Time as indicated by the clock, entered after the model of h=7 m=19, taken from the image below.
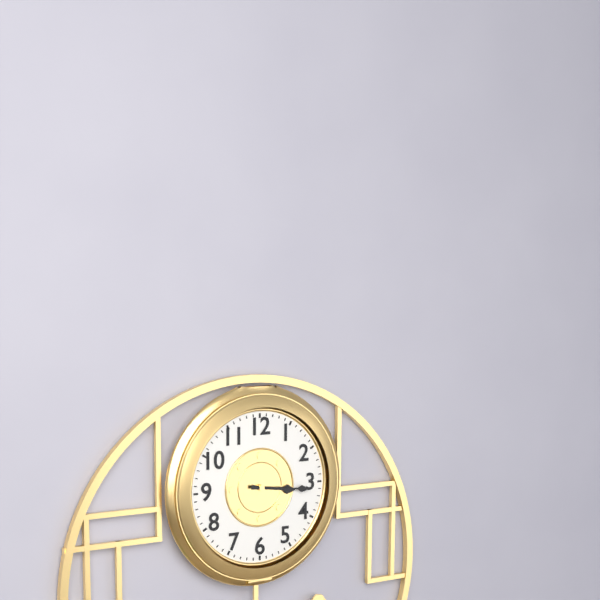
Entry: h=3 m=16
